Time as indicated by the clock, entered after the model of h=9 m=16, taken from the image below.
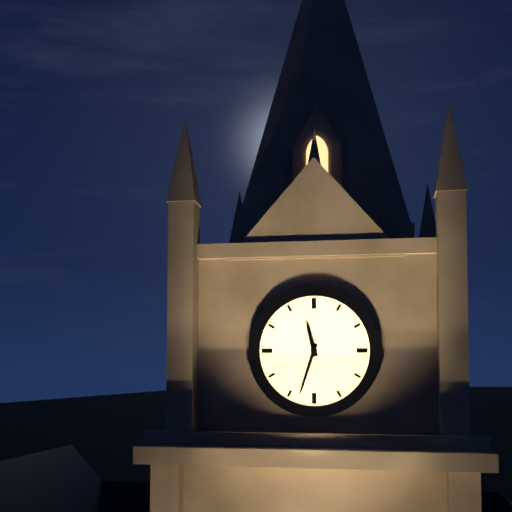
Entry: h=11 m=33
